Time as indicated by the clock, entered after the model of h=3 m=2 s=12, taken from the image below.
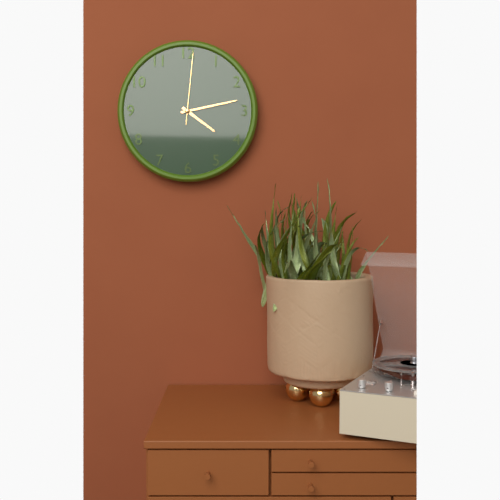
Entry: h=4 m=13 s=1
